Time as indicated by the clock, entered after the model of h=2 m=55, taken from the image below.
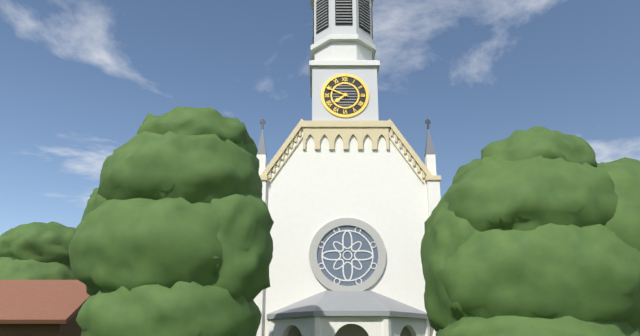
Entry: h=7 m=49
